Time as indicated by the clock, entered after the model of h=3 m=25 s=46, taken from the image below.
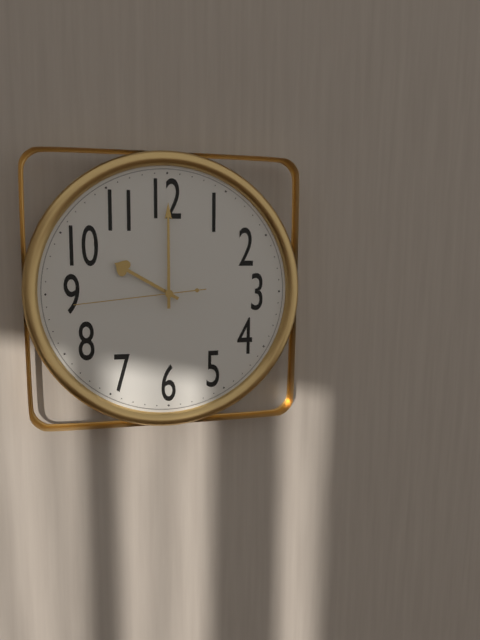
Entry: h=10 m=0 s=44
